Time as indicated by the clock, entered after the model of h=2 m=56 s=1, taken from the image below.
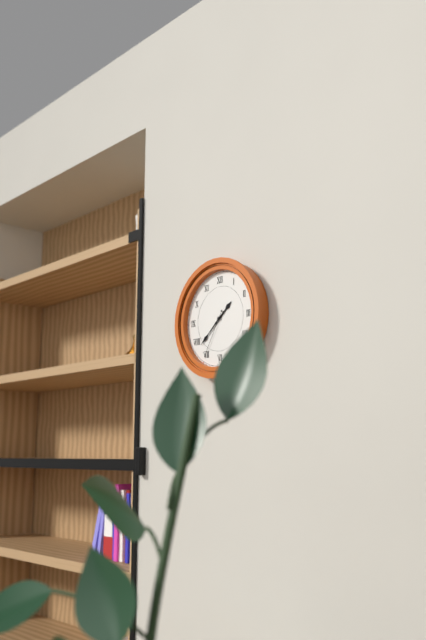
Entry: h=1 m=38 s=35
